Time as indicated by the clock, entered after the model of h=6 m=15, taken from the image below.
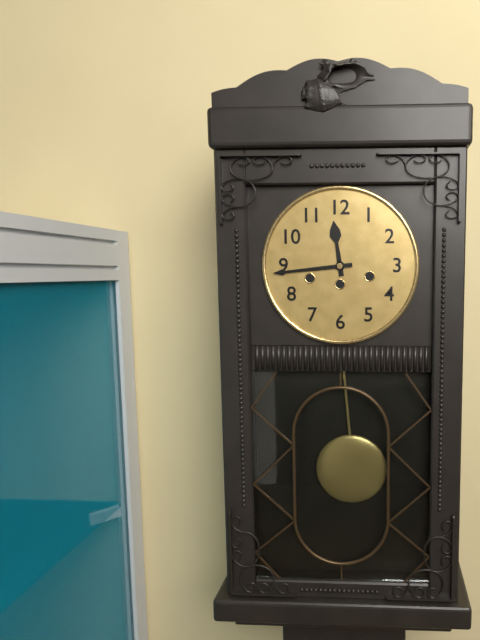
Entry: h=11 m=44
